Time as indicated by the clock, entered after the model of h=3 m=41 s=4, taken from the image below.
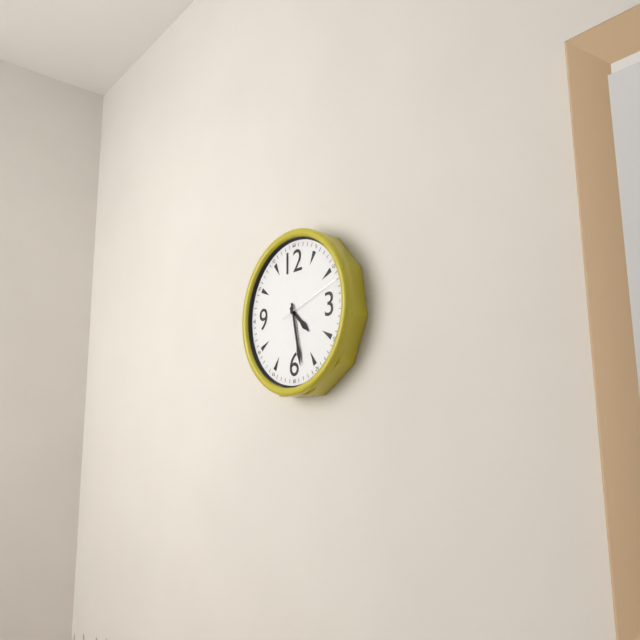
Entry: h=4 m=28 s=12
